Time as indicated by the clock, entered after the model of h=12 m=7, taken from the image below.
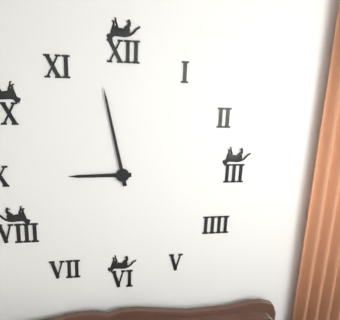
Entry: h=8 m=58
